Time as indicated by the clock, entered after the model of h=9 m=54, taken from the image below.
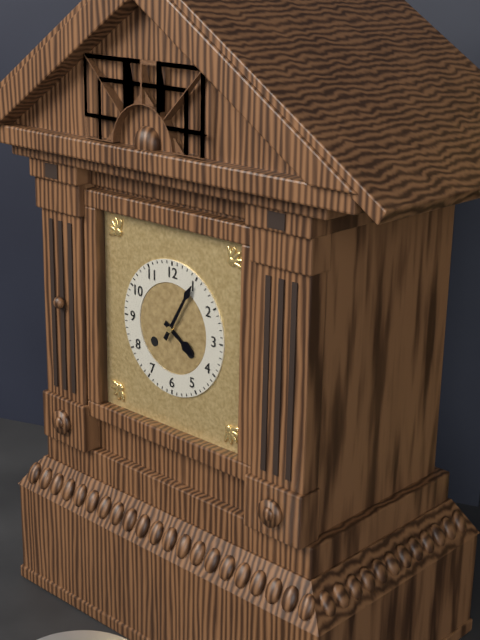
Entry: h=4 m=5
